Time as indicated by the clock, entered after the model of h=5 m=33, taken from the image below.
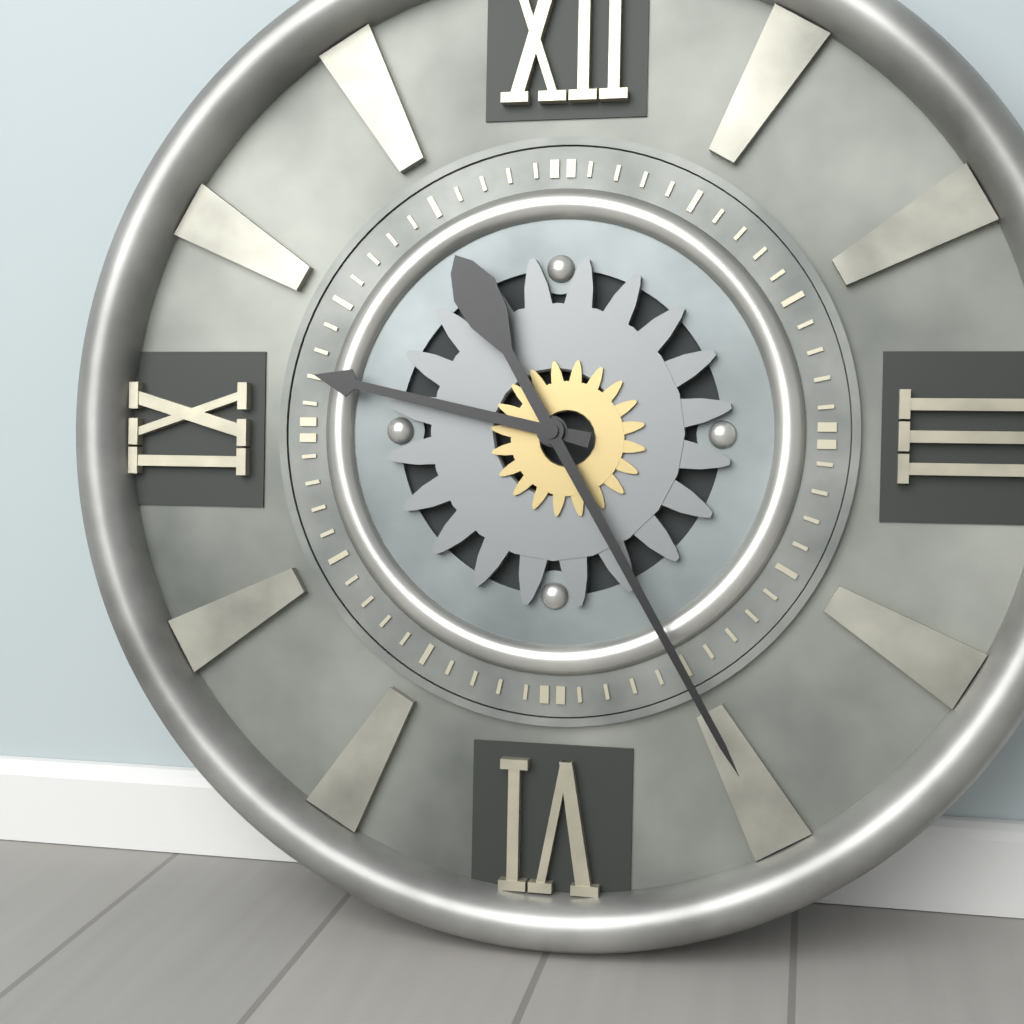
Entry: h=9 m=25
